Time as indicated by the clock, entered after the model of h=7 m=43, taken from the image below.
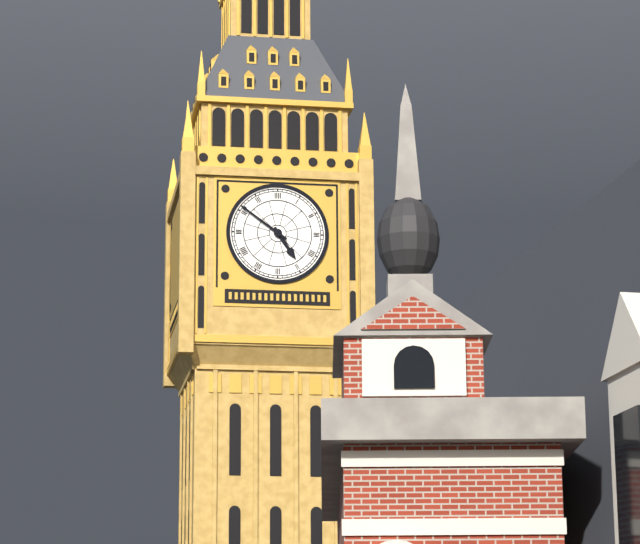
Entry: h=4 m=51
